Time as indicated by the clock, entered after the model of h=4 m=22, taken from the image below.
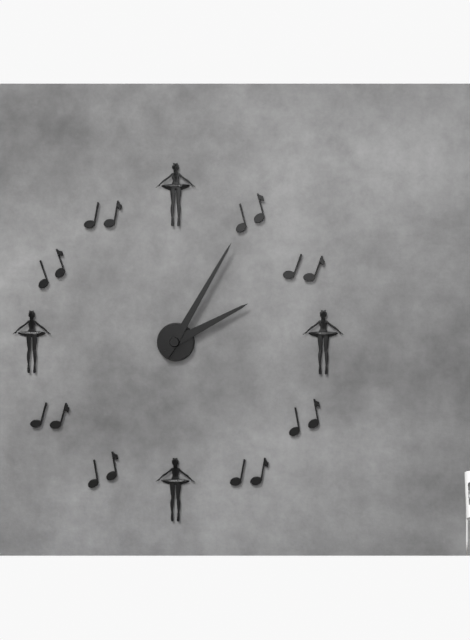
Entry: h=2 m=5
